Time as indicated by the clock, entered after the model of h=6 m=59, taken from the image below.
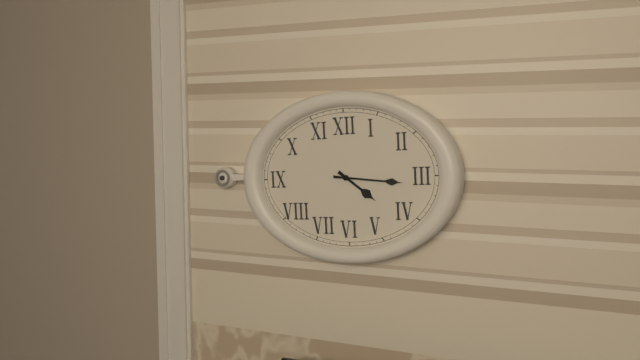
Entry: h=4 m=16
